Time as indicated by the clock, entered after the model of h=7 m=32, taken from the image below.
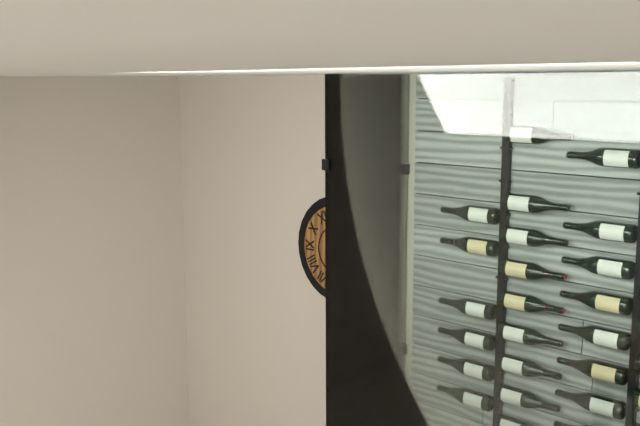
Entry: h=4 m=58
